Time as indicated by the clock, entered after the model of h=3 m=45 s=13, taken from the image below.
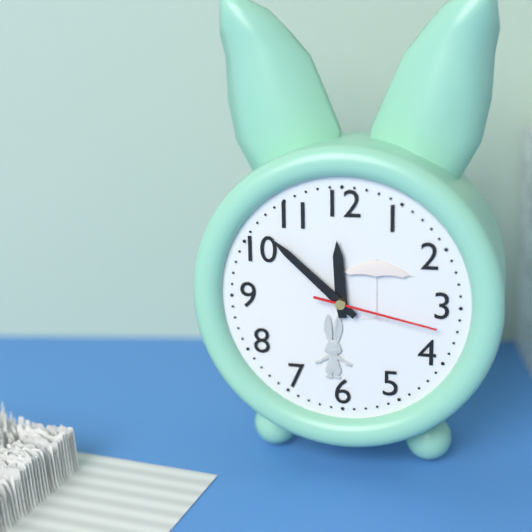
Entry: h=11 m=52 s=17
